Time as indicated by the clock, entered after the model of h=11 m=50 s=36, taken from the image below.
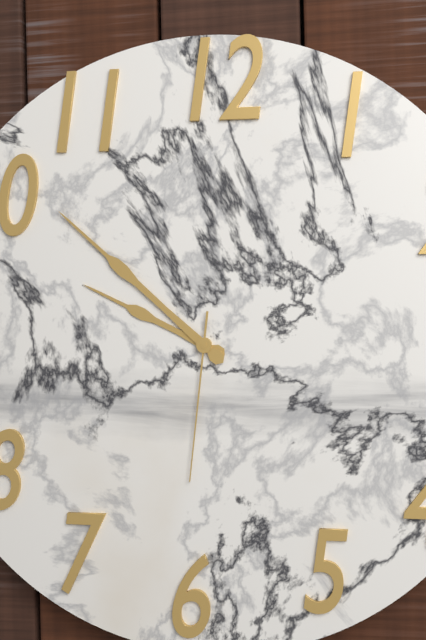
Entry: h=9 m=52 s=31
